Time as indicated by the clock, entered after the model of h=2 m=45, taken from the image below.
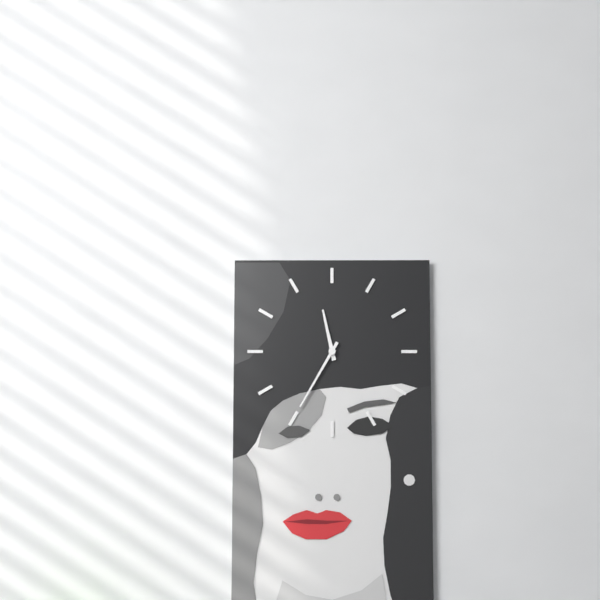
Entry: h=11 m=35
